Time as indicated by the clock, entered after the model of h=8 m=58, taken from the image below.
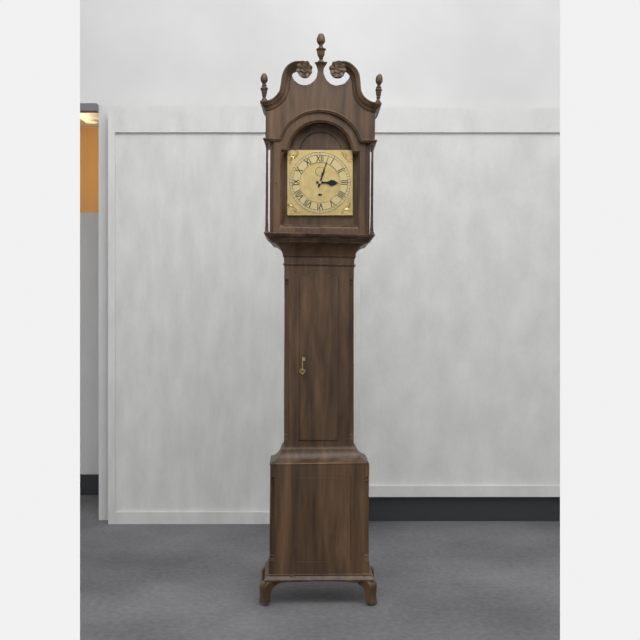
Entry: h=3 m=3
